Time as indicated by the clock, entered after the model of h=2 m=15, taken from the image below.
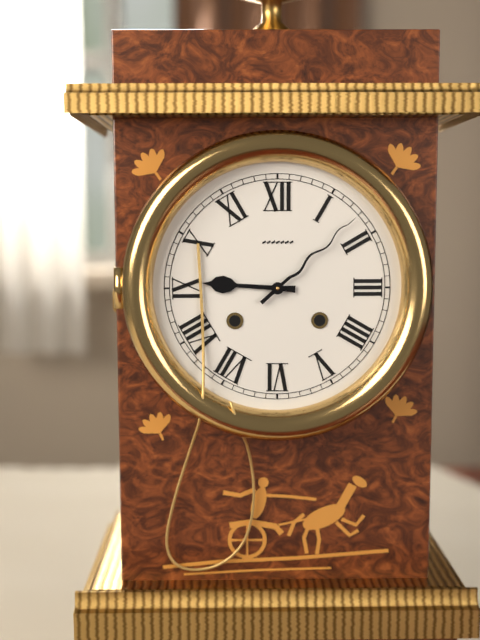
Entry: h=9 m=8
